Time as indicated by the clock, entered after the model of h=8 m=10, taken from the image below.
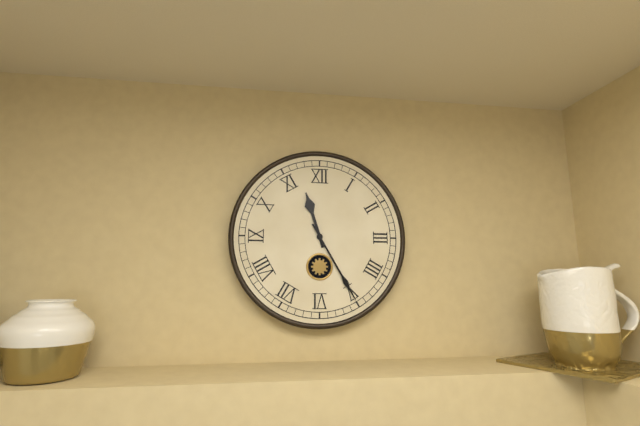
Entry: h=11 m=25
